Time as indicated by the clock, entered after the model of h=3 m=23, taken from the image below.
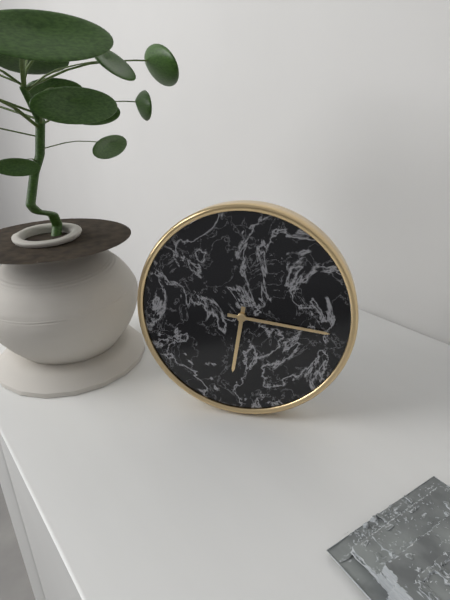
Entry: h=6 m=16
